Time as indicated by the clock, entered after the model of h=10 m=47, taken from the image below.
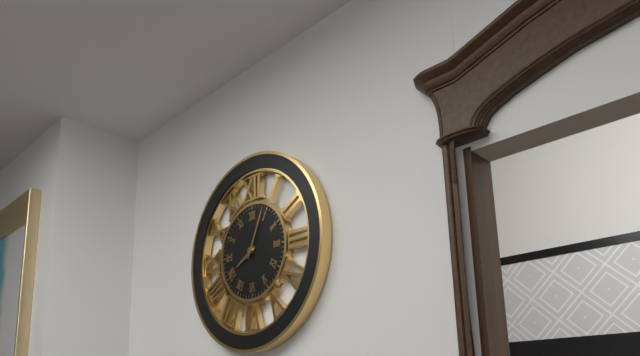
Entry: h=8 m=4
